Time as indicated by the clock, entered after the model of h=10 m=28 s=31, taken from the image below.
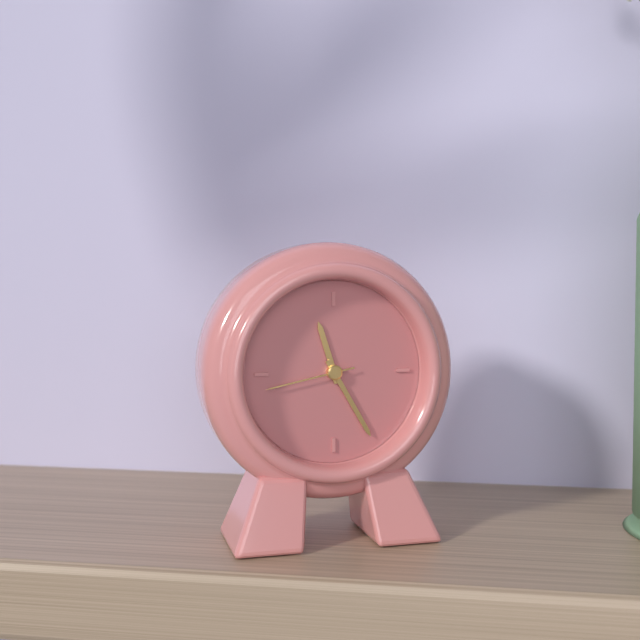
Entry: h=11 m=25 s=43
